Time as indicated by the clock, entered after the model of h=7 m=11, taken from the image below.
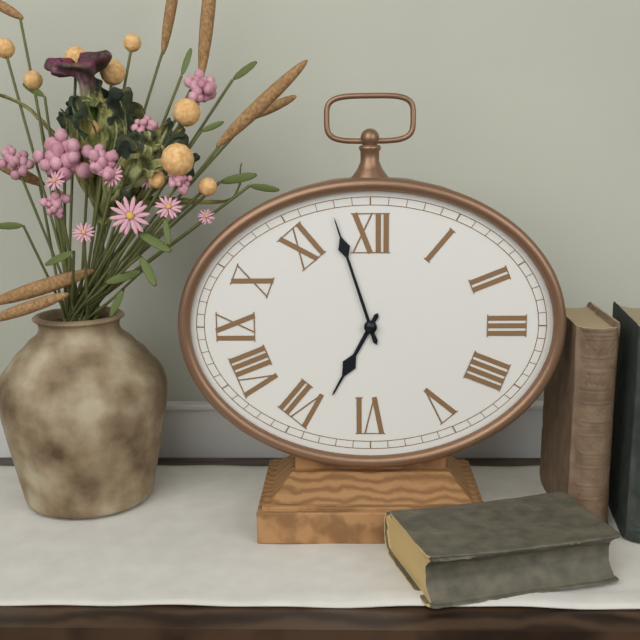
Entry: h=6 m=57
